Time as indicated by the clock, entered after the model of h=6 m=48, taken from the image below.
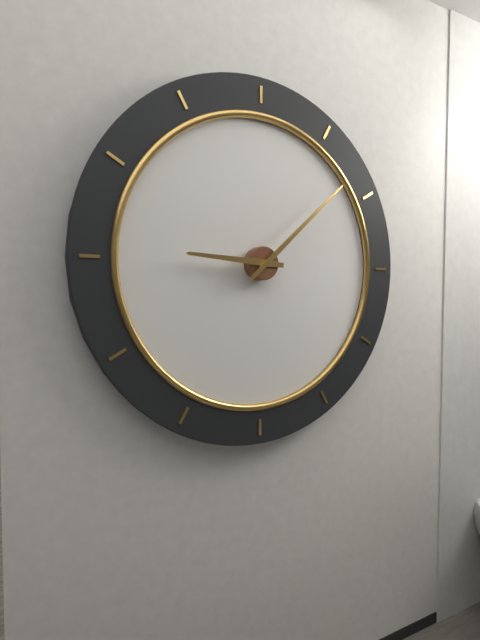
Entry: h=9 m=8
